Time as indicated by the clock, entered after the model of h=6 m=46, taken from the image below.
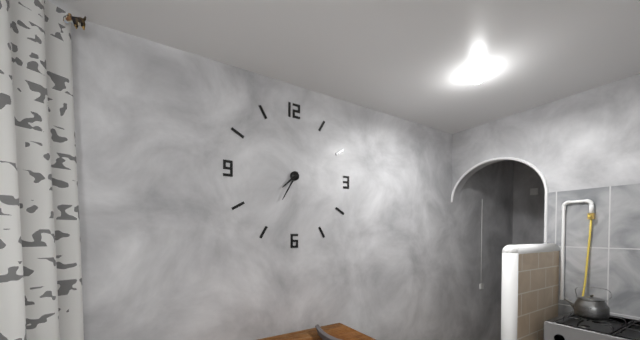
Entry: h=7 m=35
